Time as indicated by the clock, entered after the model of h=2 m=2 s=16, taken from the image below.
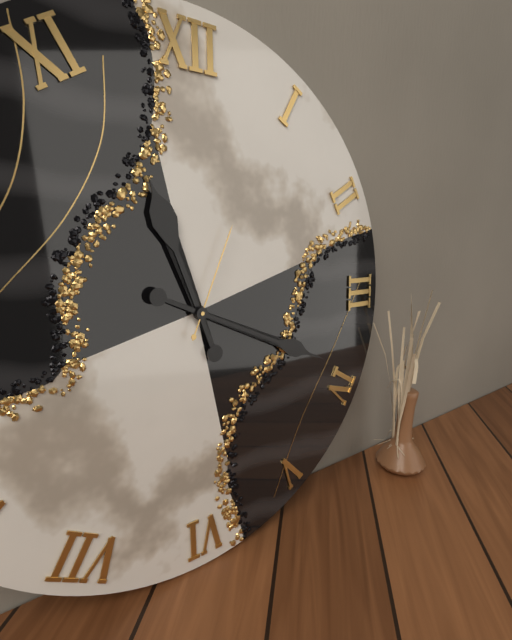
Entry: h=11 m=19 s=4
